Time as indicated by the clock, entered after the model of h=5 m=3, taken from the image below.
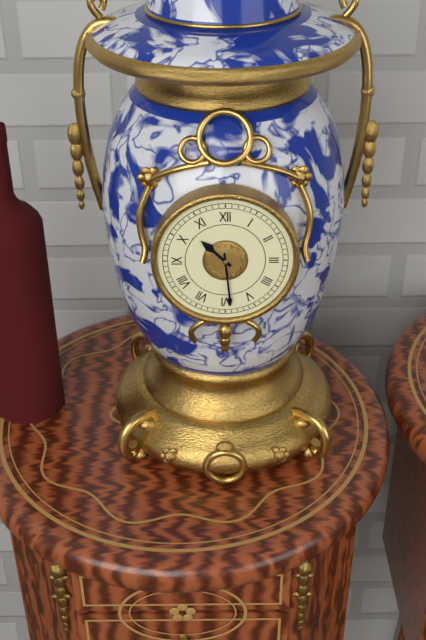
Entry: h=10 m=29
